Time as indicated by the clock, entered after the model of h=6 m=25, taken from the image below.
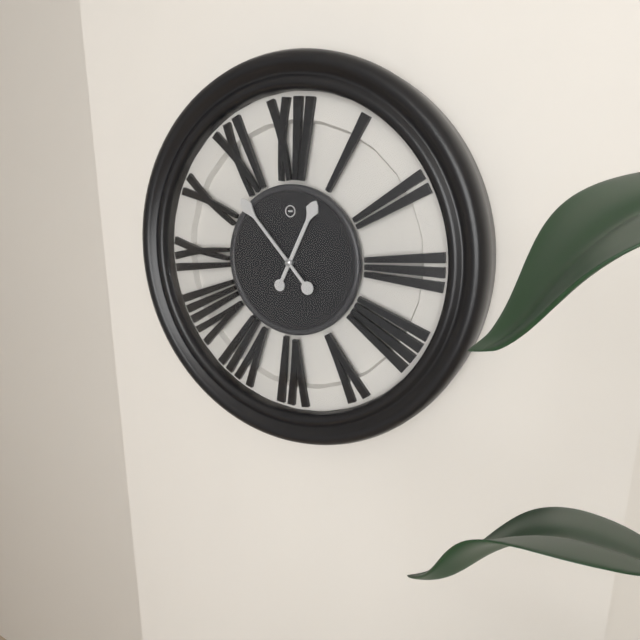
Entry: h=12 m=53
